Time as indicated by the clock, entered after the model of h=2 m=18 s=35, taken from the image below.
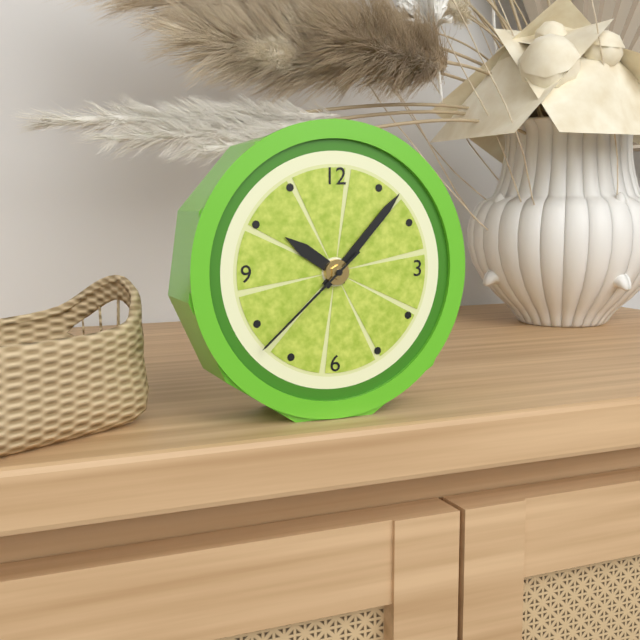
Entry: h=10 m=7 s=38
